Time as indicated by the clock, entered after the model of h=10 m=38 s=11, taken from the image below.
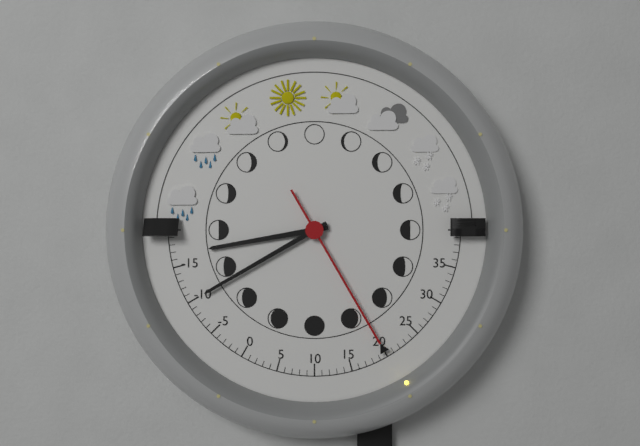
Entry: h=8 m=40 s=25
